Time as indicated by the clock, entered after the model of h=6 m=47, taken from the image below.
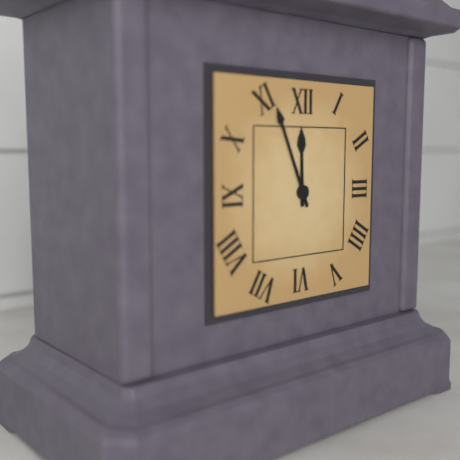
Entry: h=11 m=56
